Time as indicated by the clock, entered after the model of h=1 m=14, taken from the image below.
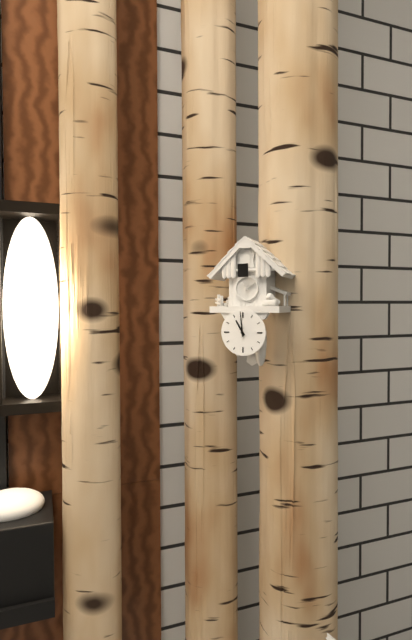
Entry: h=10 m=59
